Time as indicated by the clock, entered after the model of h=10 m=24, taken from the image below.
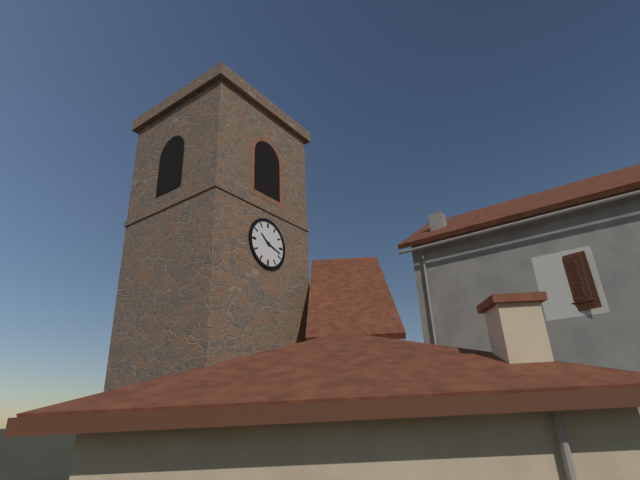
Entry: h=10 m=18
